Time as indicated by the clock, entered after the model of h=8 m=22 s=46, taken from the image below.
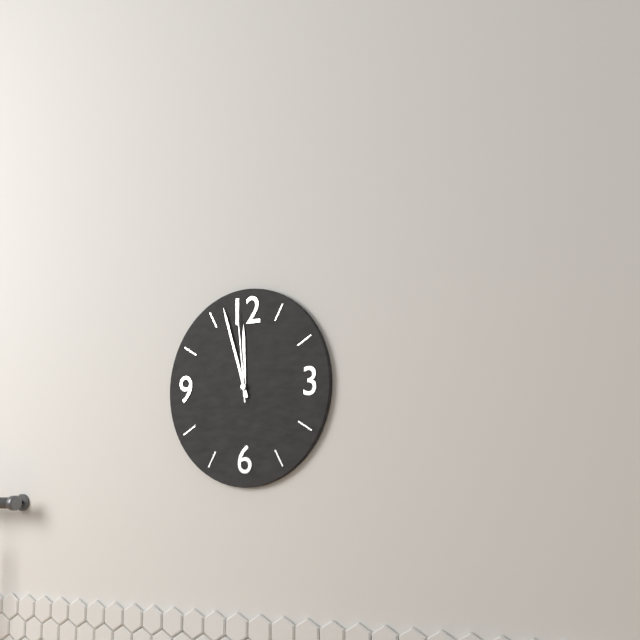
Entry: h=11 m=57 s=59
